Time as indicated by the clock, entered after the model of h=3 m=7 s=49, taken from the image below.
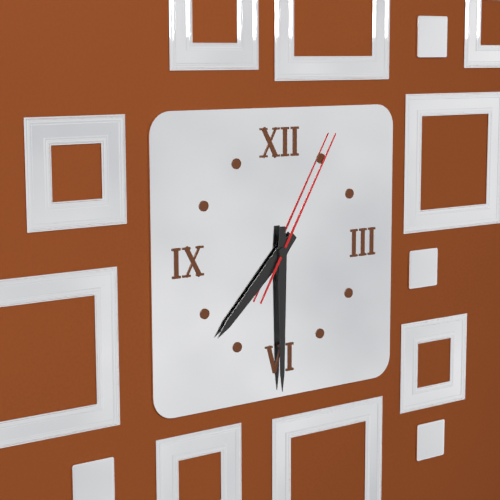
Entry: h=7 m=30 s=5
